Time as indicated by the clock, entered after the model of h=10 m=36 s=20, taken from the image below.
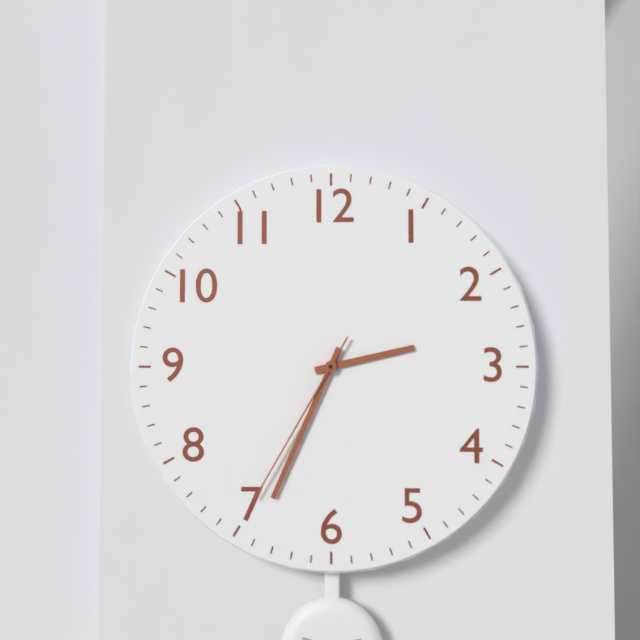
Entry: h=2 m=34 s=35
